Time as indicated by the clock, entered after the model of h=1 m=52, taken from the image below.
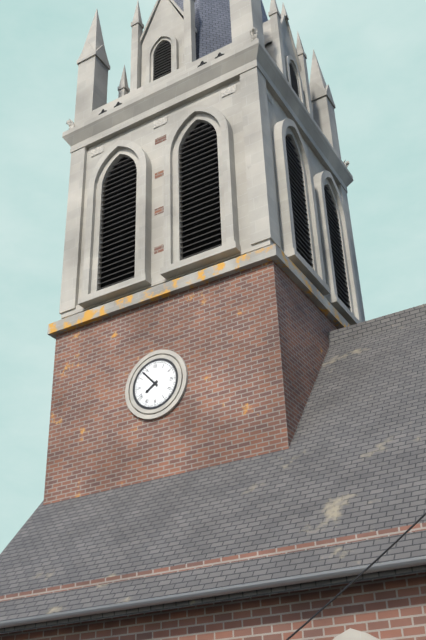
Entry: h=7 m=53
